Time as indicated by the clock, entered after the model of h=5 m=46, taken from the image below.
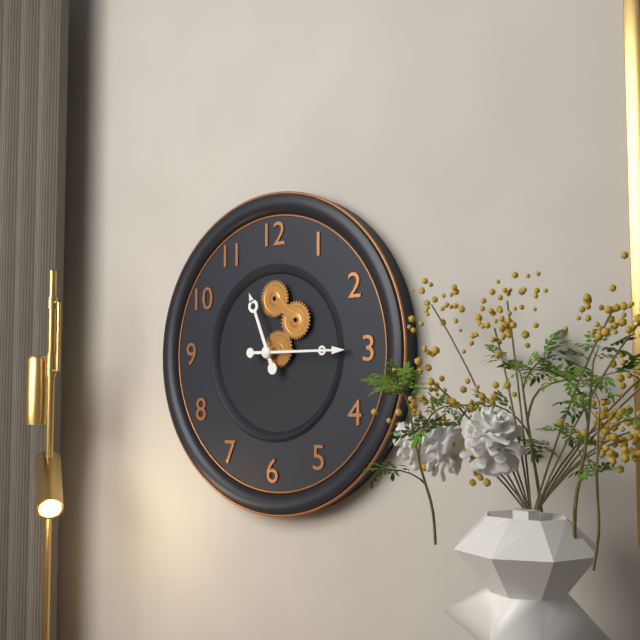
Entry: h=11 m=15
